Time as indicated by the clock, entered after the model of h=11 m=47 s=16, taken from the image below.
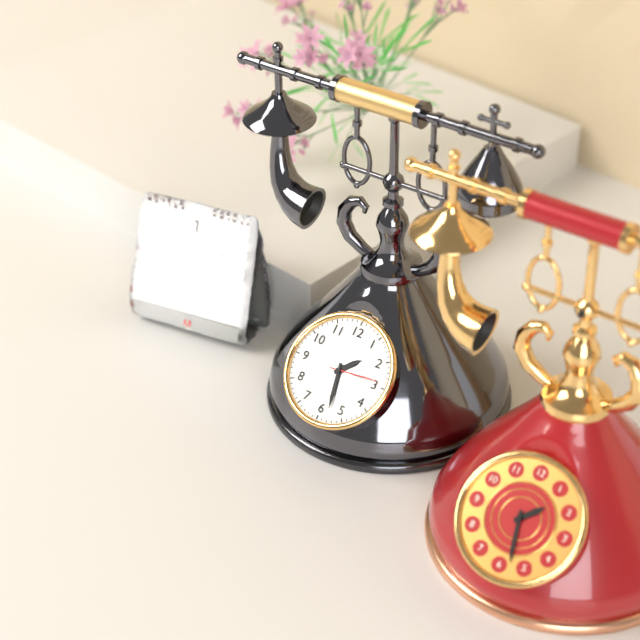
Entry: h=1 m=28 s=14
